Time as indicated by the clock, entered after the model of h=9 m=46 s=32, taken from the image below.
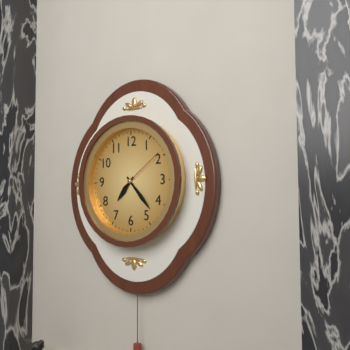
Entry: h=7 m=23 s=9
